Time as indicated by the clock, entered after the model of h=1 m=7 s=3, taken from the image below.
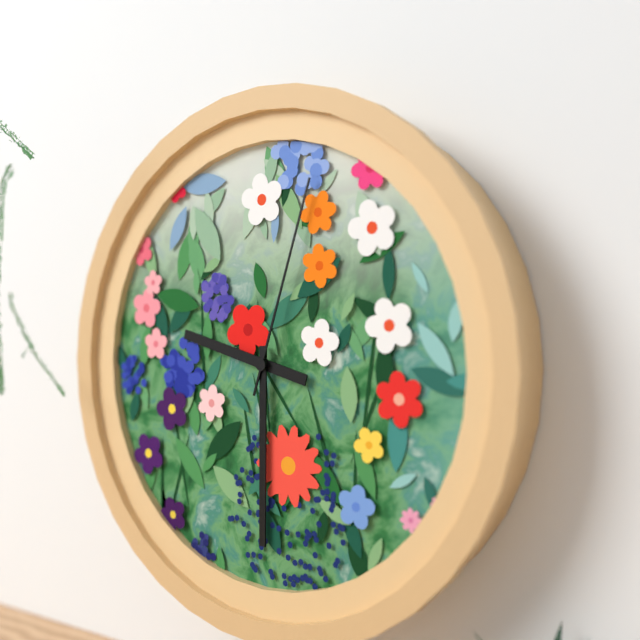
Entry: h=9 m=30 s=3
